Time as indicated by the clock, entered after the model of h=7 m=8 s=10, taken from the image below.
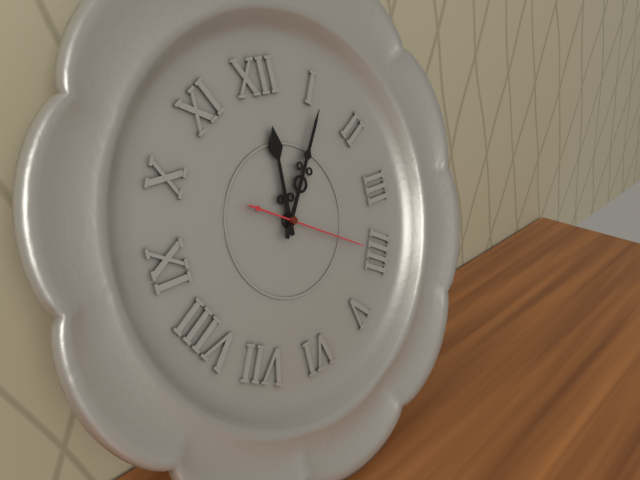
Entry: h=12 m=6 s=20
